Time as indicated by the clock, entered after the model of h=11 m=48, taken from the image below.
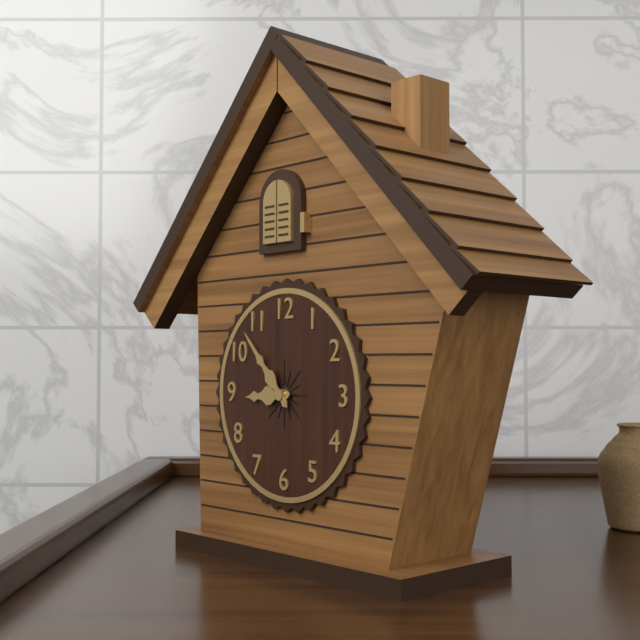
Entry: h=8 m=53
